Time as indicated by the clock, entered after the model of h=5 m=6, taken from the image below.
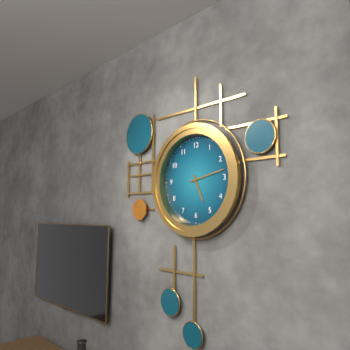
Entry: h=5 m=13
